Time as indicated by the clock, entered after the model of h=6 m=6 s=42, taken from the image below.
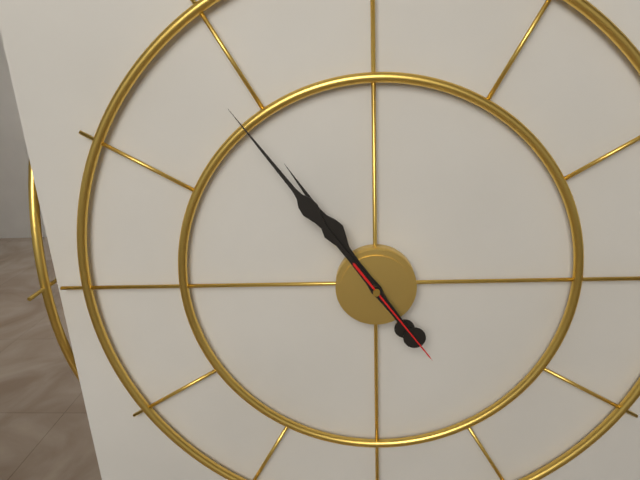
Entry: h=10 m=54 s=24
